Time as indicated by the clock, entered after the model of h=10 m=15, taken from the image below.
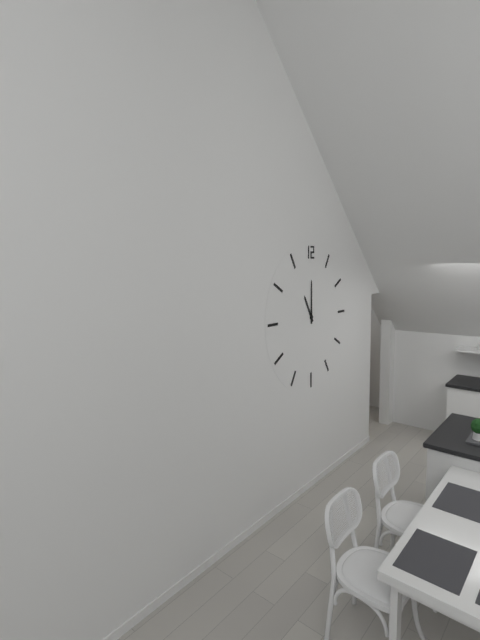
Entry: h=11 m=0
